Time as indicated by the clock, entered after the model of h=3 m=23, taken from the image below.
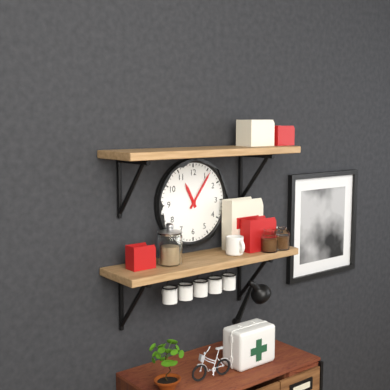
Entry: h=11 m=6
